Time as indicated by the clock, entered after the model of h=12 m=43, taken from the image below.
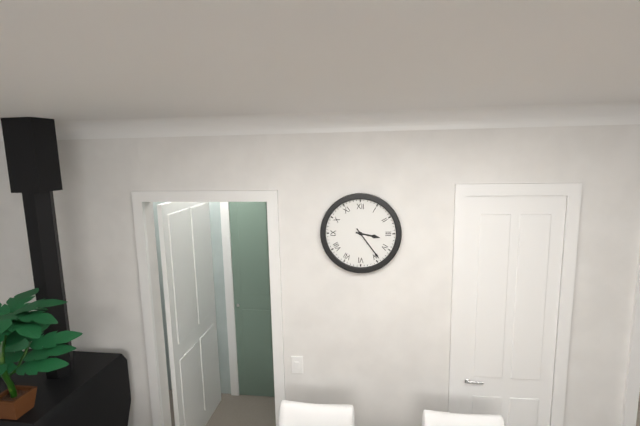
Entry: h=3 m=24
